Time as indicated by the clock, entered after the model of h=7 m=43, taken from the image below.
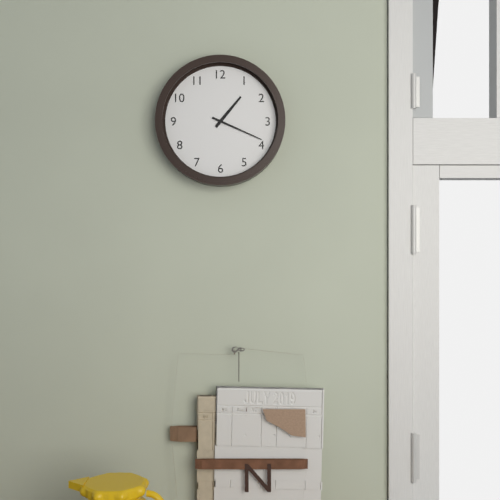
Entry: h=1 m=19
